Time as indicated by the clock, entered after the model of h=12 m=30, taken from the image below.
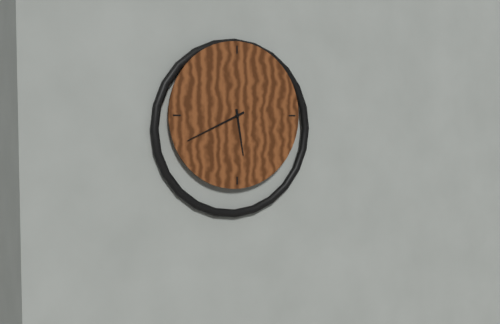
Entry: h=5 m=41
